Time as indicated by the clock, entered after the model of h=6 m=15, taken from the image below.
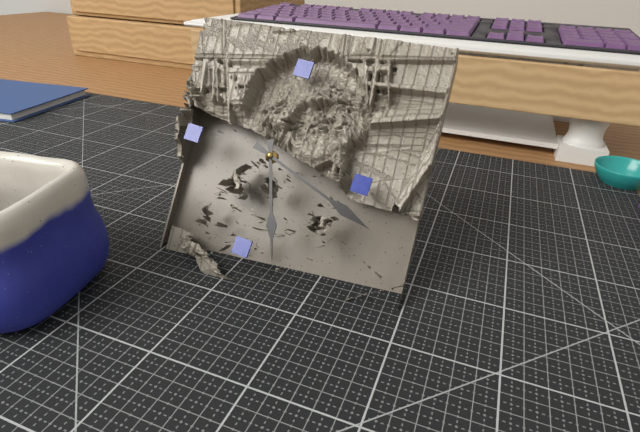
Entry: h=5 m=18
